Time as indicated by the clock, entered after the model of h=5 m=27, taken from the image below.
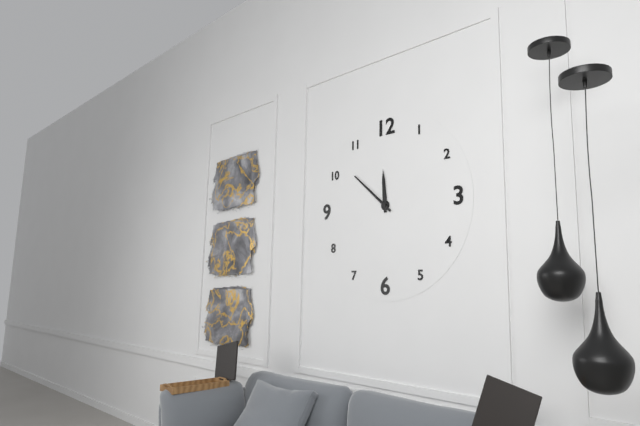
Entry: h=11 m=52
